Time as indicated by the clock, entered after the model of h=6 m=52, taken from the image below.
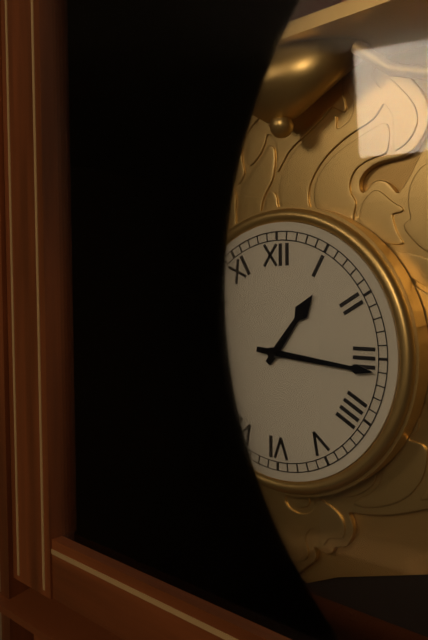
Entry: h=1 m=16
